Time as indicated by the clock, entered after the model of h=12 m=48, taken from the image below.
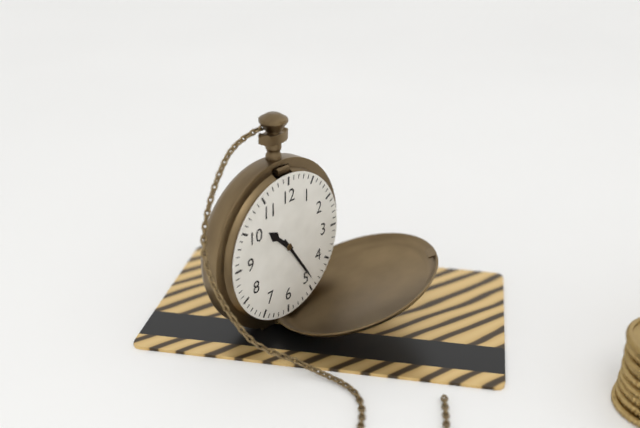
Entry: h=10 m=24
